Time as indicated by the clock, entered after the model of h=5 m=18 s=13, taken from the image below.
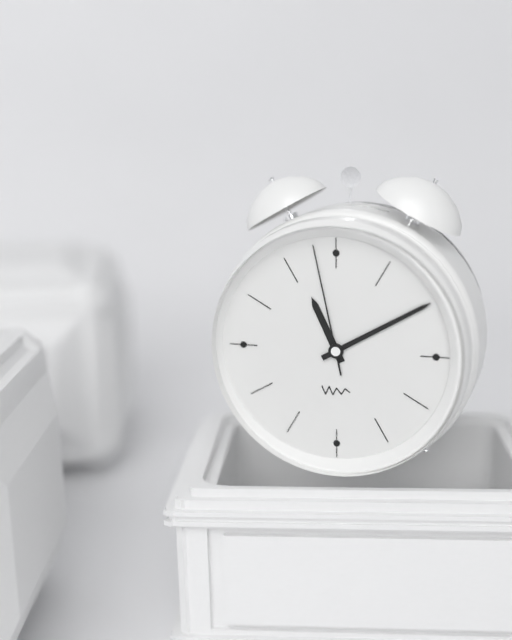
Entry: h=11 m=10 s=58
